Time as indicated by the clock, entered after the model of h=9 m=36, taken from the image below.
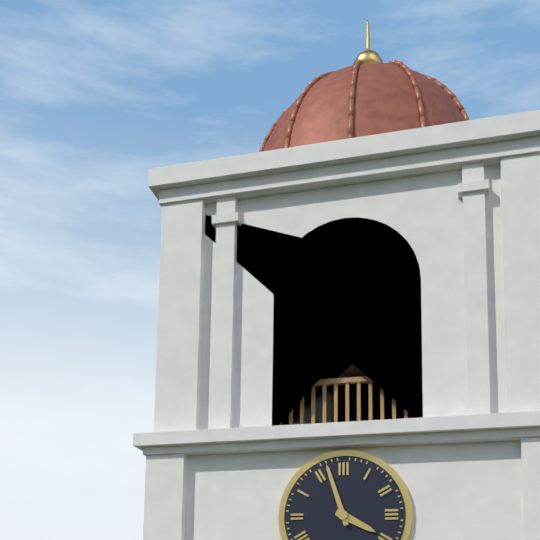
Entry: h=3 m=57
